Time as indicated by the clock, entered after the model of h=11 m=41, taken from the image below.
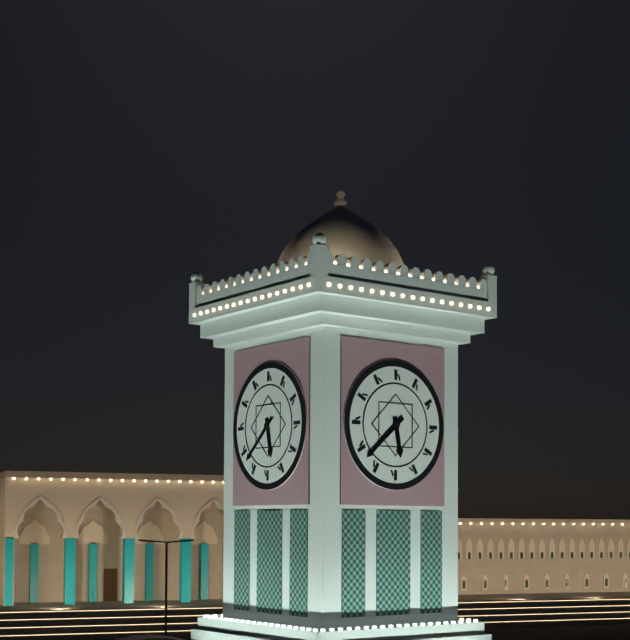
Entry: h=5 m=38
